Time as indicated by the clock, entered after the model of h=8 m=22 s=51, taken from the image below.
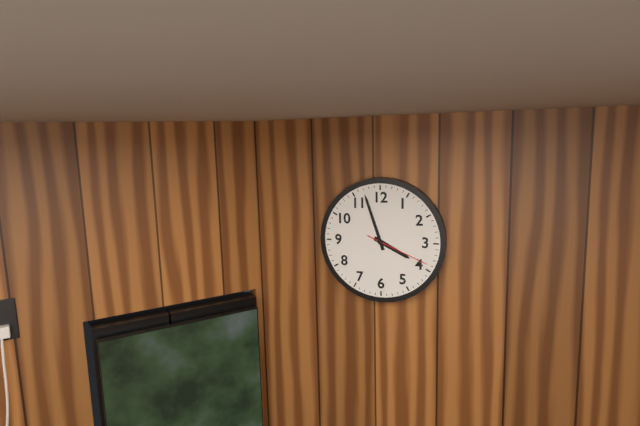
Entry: h=3 m=57 s=19
